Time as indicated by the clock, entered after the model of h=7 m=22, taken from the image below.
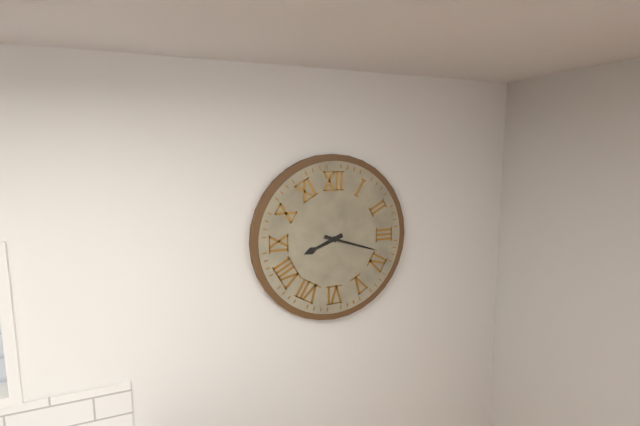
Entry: h=8 m=18
